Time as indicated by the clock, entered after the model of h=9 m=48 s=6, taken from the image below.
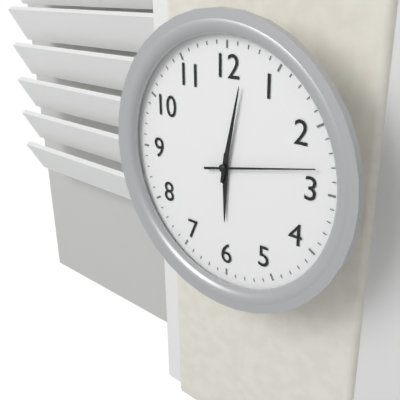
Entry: h=6 m=2 s=13
